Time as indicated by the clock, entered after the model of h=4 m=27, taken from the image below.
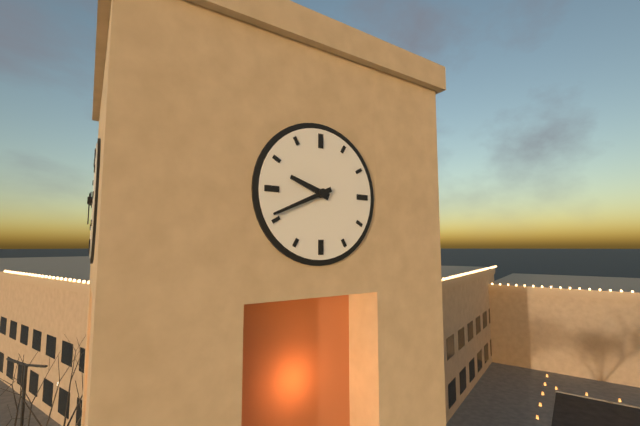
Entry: h=9 m=41
